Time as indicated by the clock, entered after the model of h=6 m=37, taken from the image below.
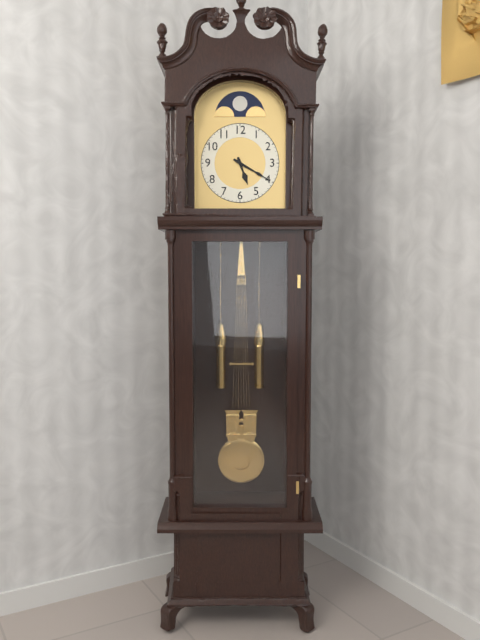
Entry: h=5 m=20
